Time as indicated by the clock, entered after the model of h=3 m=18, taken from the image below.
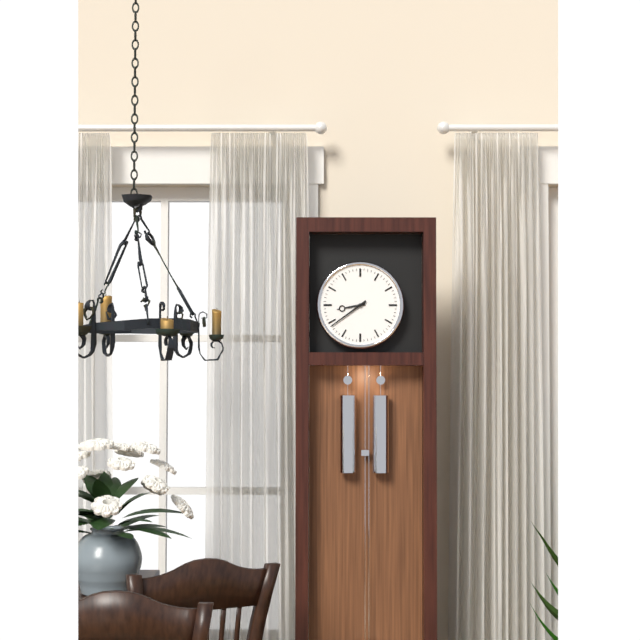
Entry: h=8 m=39
